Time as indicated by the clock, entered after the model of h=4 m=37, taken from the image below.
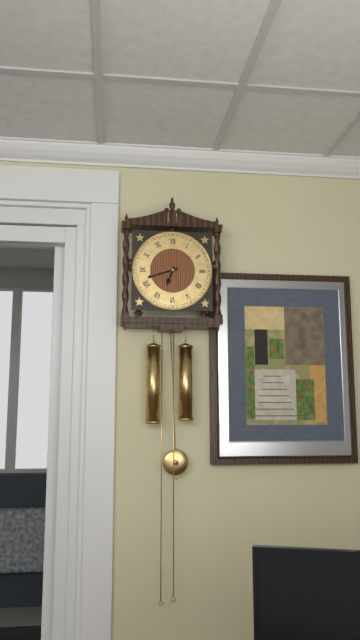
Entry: h=6 m=42
